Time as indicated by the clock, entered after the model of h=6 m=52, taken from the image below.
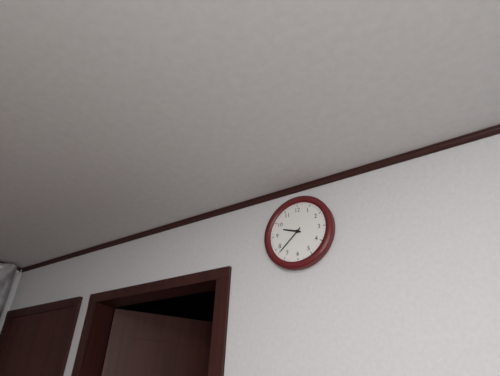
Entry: h=9 m=38
